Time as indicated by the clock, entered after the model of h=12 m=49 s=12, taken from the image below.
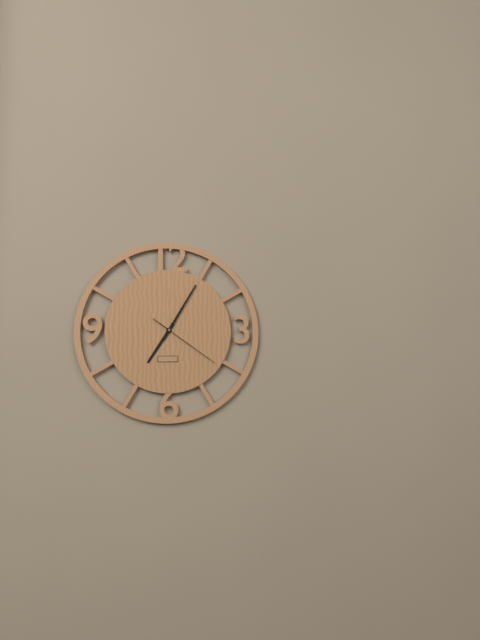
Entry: h=7 m=5 s=21
